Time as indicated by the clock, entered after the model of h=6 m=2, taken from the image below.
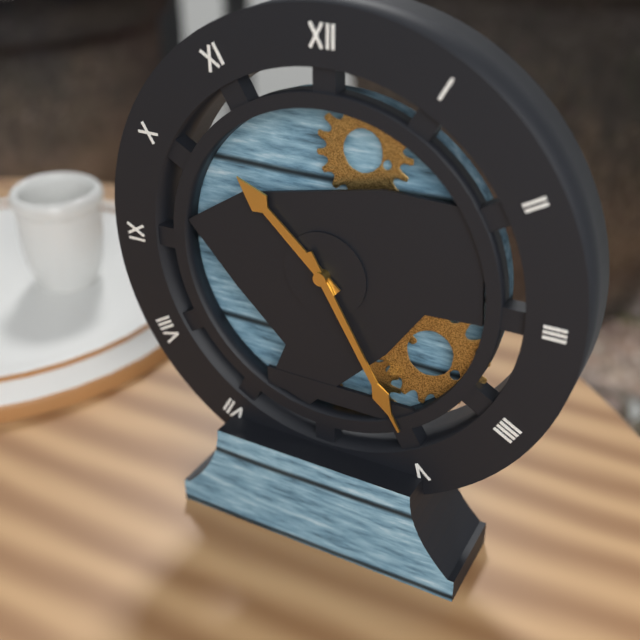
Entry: h=10 m=25
